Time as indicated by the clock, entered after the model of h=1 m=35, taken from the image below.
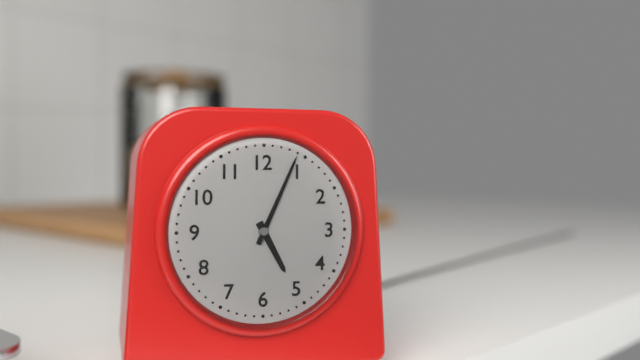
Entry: h=5 m=4
